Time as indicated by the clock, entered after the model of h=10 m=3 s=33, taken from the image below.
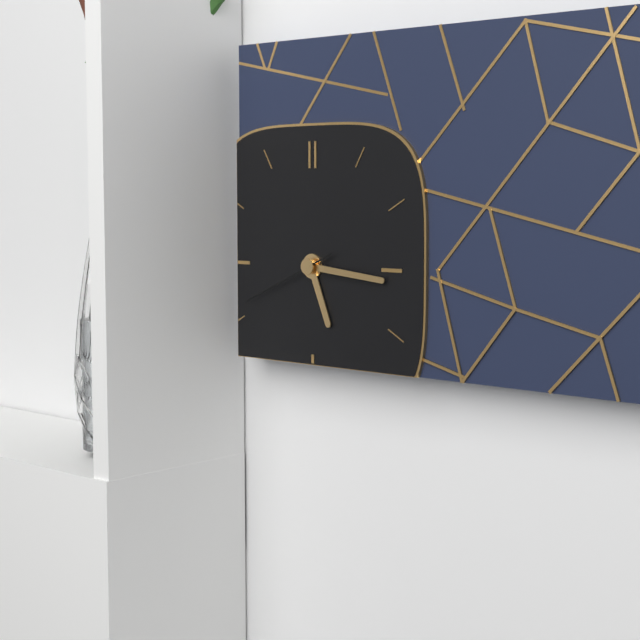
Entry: h=5 m=16 s=41
